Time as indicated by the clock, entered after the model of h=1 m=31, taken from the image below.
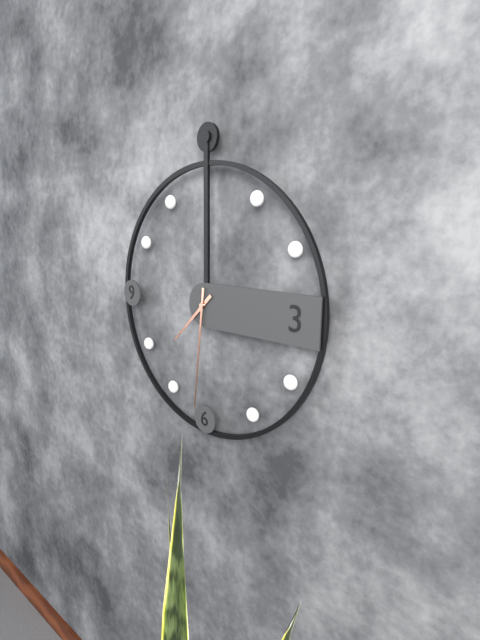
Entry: h=7 m=31
